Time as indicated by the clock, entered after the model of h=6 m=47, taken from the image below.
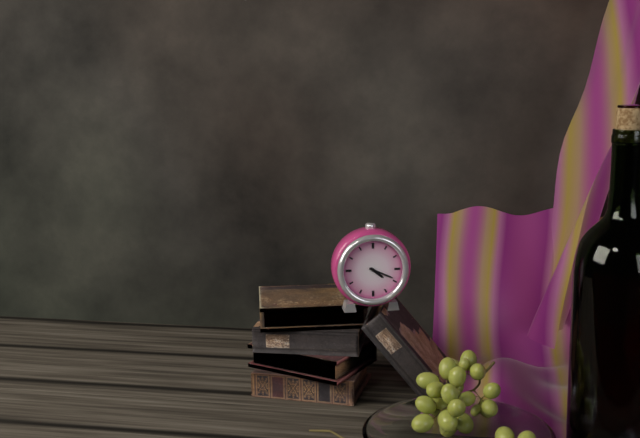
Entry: h=4 m=19
